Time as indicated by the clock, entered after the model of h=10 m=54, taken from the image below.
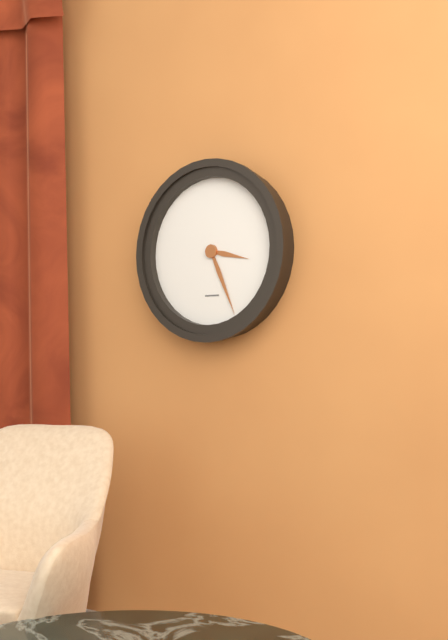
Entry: h=3 m=26
